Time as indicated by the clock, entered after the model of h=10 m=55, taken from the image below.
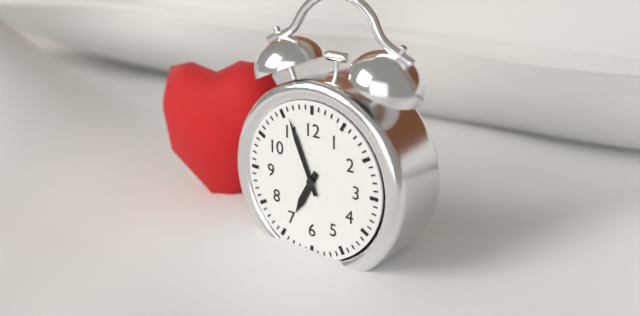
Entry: h=6 m=56
